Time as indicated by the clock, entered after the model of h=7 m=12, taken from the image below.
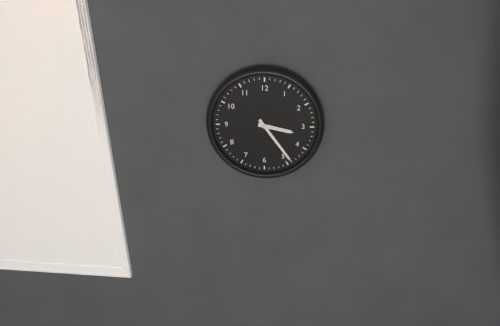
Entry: h=3 m=24
